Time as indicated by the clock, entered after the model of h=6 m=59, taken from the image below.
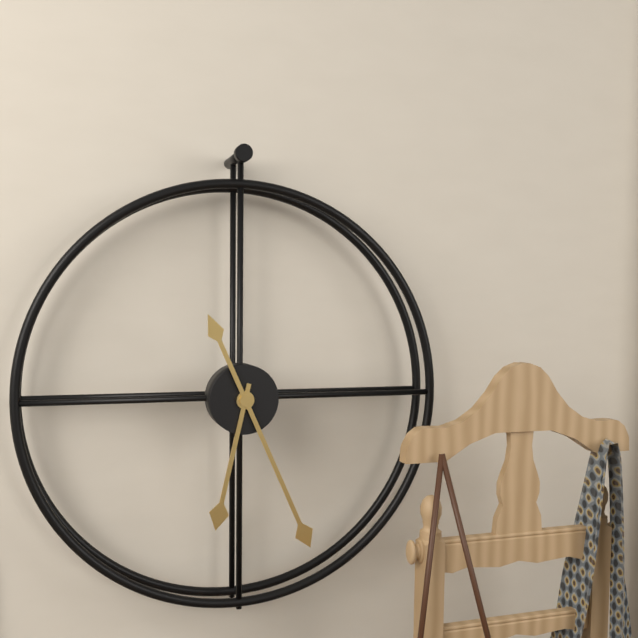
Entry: h=6 m=26
